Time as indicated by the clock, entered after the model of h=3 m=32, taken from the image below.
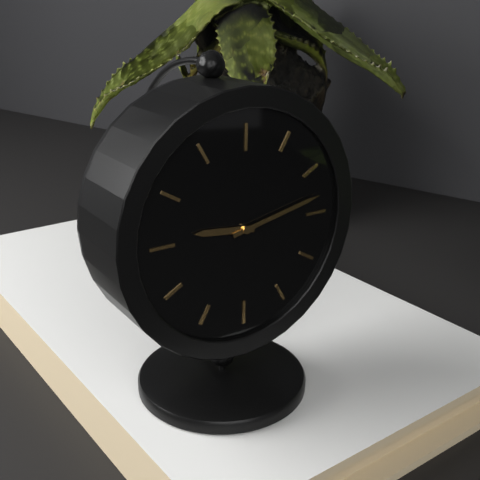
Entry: h=9 m=13
